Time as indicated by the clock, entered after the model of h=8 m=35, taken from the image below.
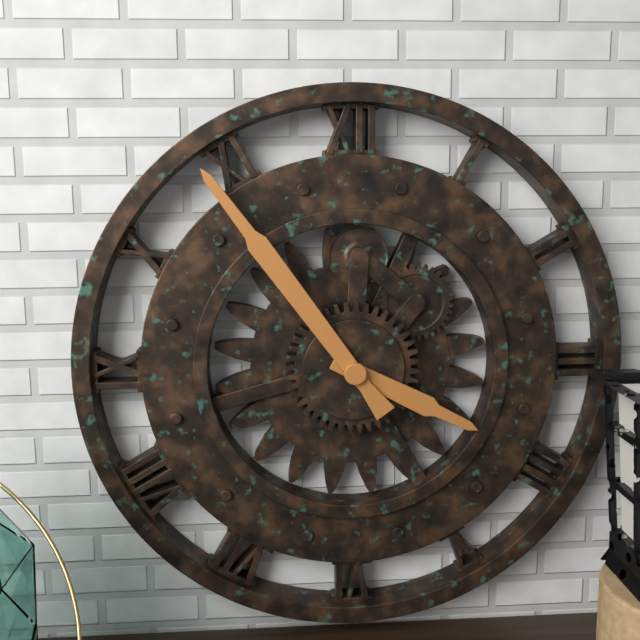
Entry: h=3 m=54
